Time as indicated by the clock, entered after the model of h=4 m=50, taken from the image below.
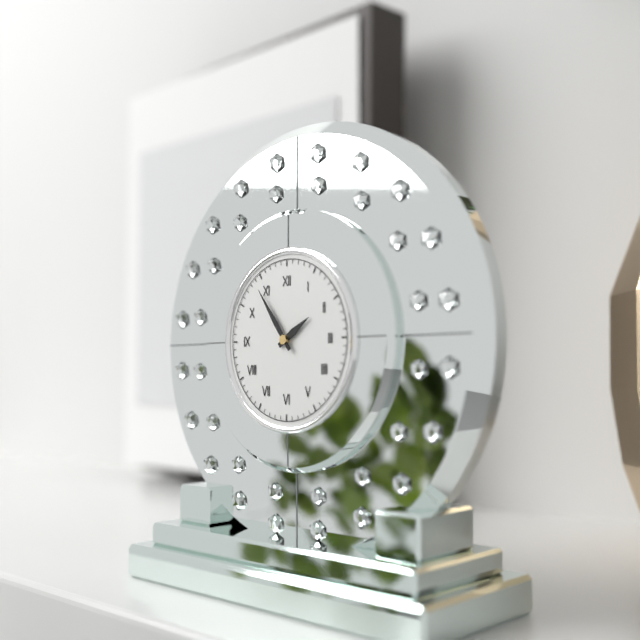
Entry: h=1 m=54
